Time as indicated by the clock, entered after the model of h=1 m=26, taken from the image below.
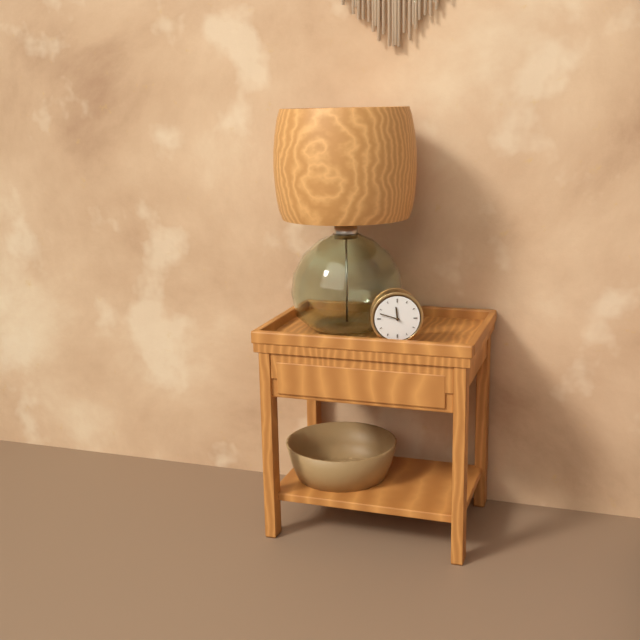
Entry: h=11 m=48
